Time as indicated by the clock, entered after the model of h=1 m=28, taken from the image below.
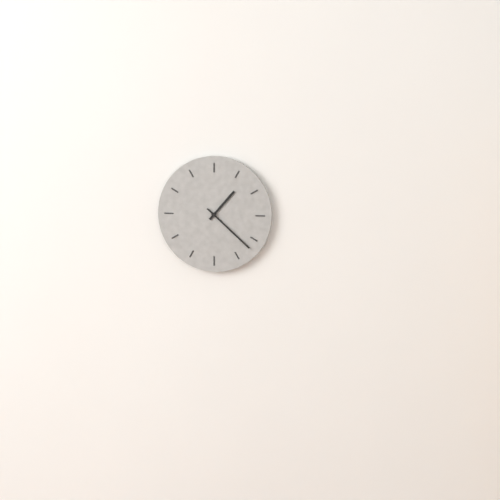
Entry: h=1 m=22
